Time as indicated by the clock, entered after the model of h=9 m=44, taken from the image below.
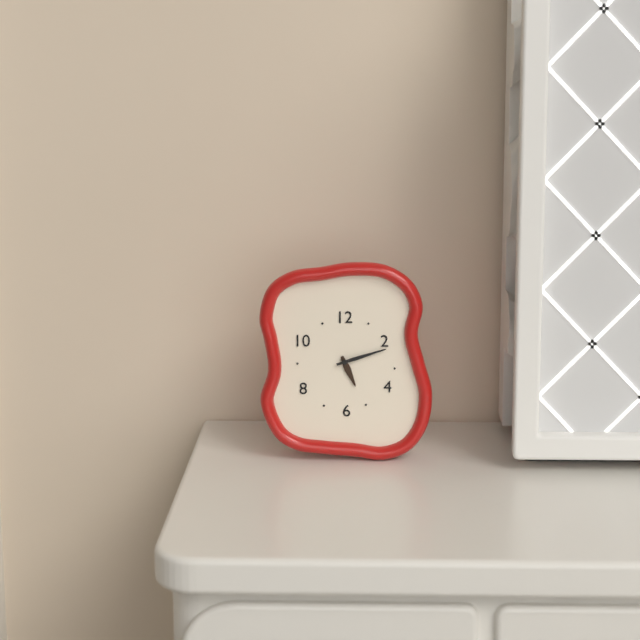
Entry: h=5 m=12
